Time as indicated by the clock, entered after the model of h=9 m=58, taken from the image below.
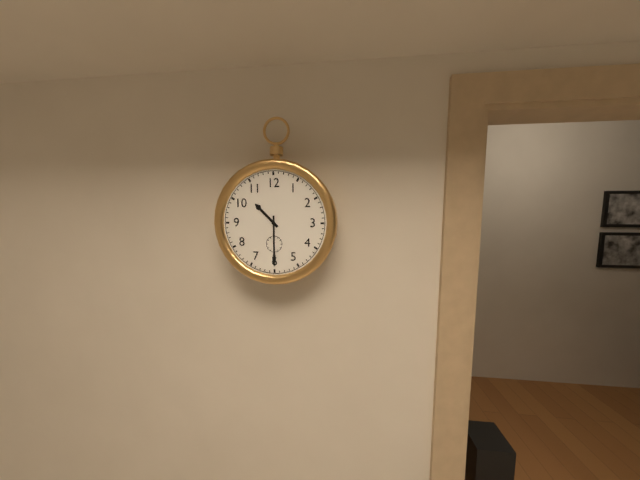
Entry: h=10 m=30
